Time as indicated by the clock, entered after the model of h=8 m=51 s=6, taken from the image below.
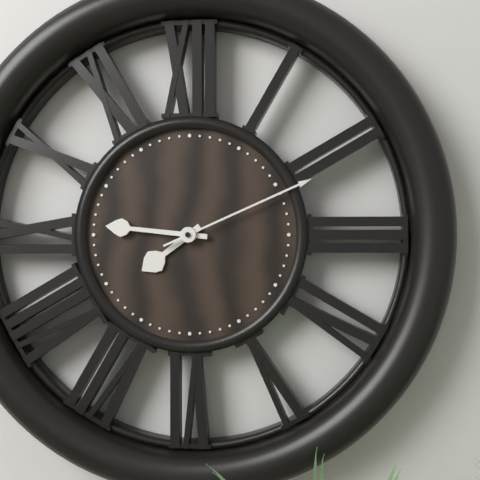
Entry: h=7 m=46 s=11
